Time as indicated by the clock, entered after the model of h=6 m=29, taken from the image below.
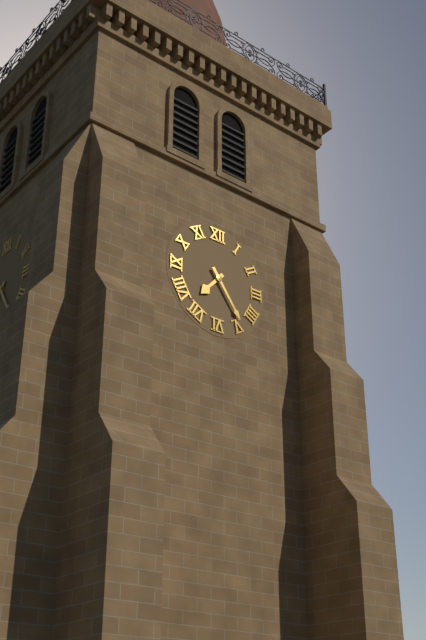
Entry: h=7 m=24
